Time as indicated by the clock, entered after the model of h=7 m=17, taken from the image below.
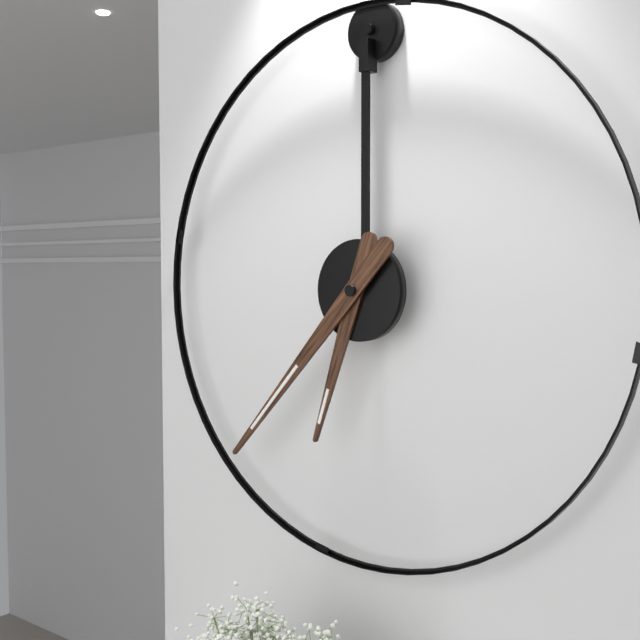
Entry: h=6 m=37
